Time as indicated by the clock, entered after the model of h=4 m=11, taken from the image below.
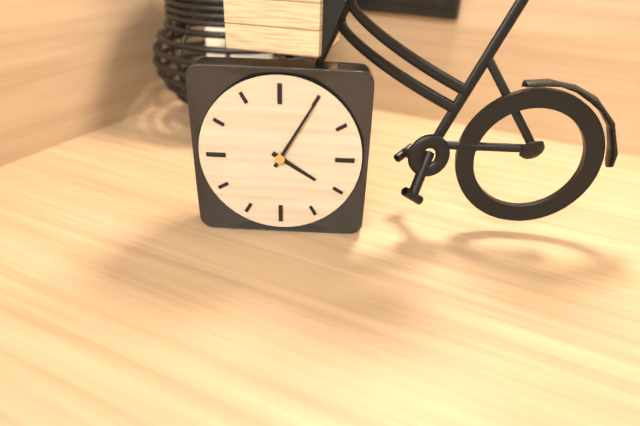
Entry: h=4 m=5
